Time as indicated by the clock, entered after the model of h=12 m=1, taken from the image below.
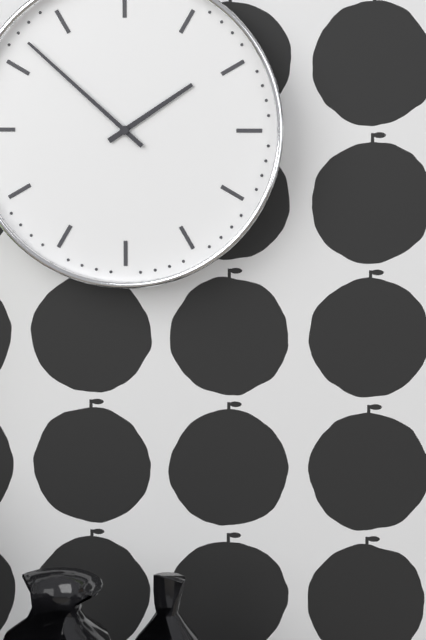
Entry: h=1 m=52
